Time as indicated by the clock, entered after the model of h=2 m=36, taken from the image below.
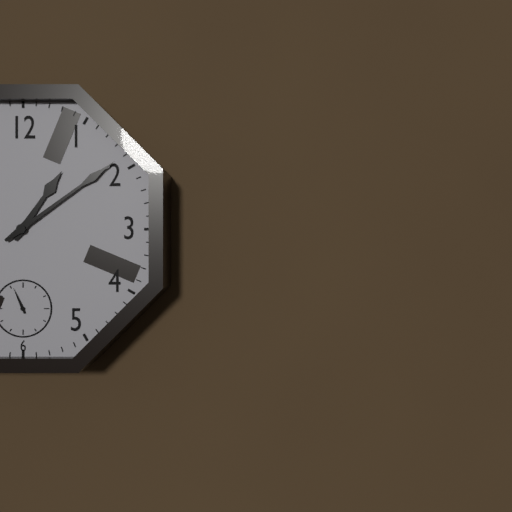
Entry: h=1 m=9
